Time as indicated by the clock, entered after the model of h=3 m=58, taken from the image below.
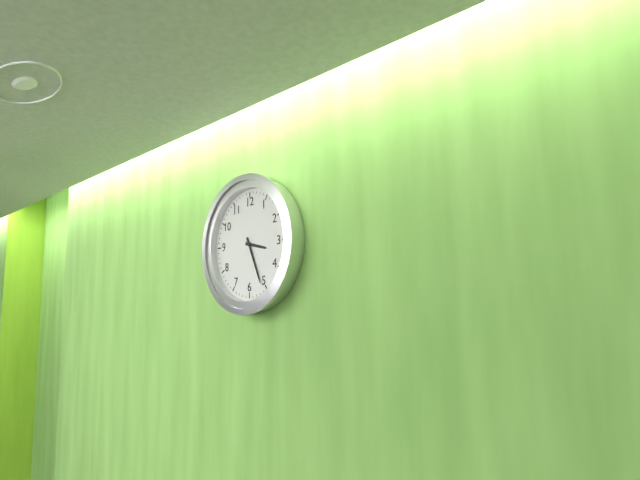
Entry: h=3 m=26
